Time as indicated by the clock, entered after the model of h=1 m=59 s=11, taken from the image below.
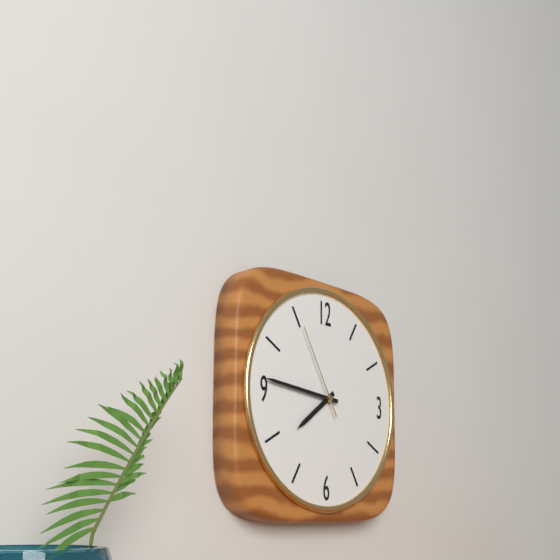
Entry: h=7 m=46 s=55
